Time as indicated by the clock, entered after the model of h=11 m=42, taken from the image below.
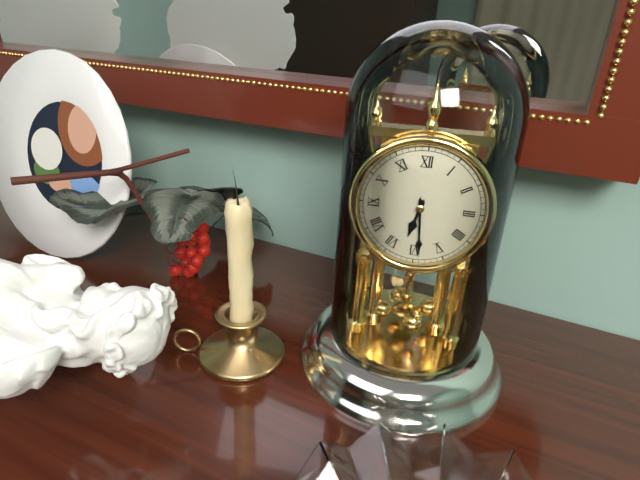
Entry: h=6 m=29
